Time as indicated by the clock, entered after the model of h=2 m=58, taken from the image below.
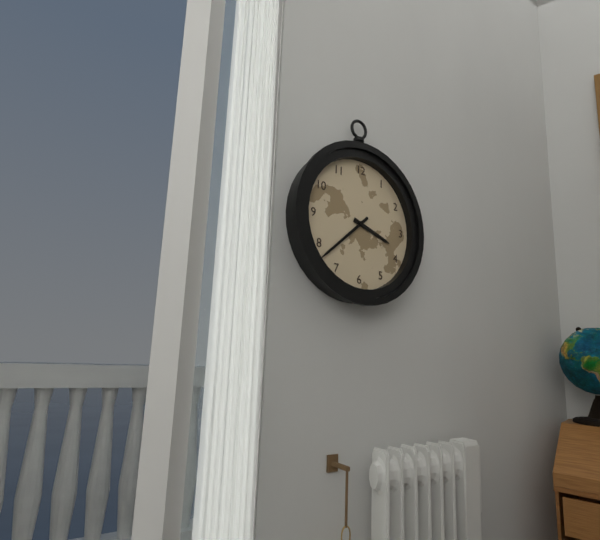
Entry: h=3 m=38
